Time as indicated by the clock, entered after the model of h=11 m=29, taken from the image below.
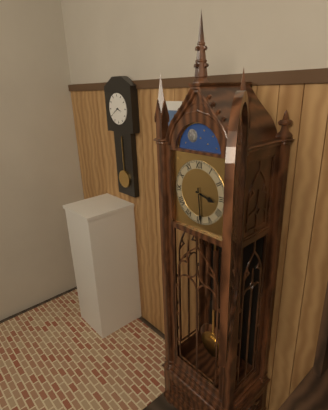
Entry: h=3 m=29
